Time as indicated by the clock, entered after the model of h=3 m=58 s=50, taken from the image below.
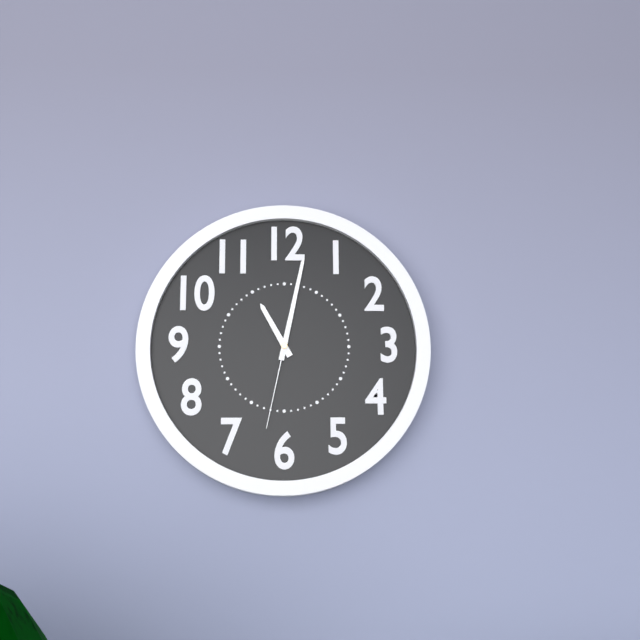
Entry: h=11 m=2 s=32
